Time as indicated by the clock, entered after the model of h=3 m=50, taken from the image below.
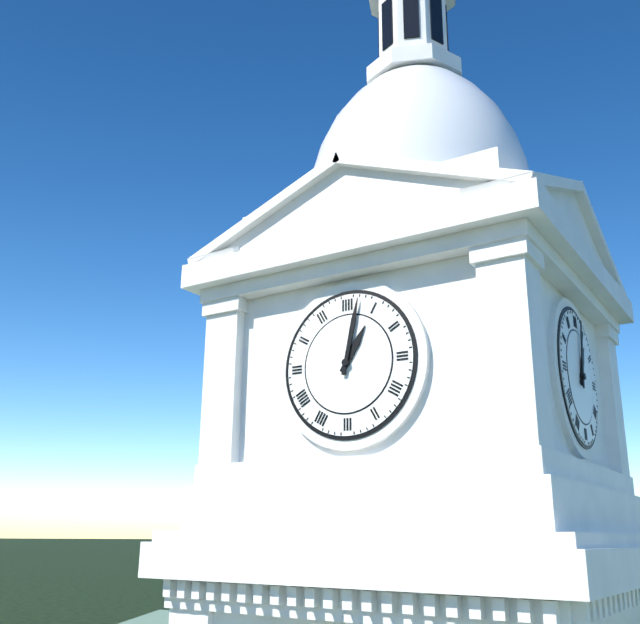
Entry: h=1 m=2
